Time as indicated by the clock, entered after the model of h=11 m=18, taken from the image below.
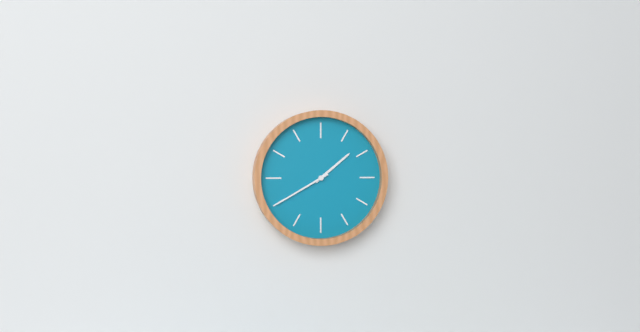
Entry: h=1 m=40
